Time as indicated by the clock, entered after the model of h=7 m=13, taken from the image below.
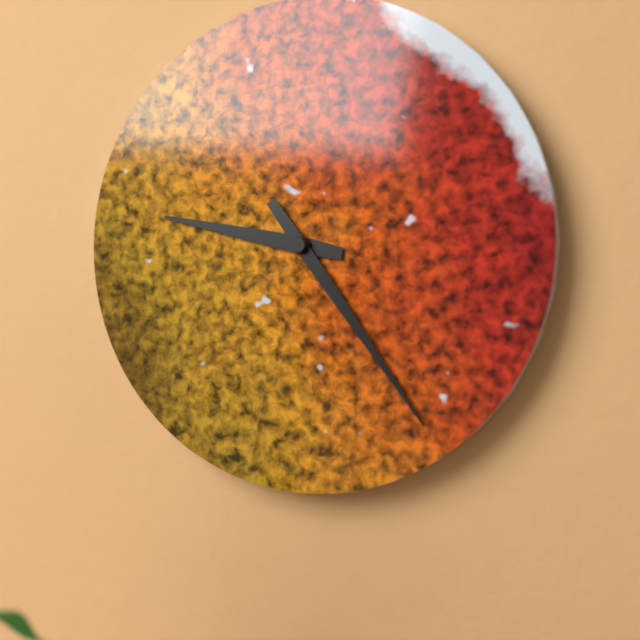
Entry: h=9 m=24
